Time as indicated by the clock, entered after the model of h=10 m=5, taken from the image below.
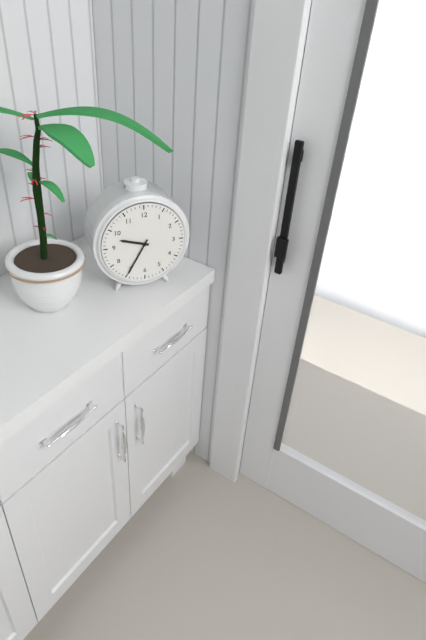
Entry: h=9 m=35
